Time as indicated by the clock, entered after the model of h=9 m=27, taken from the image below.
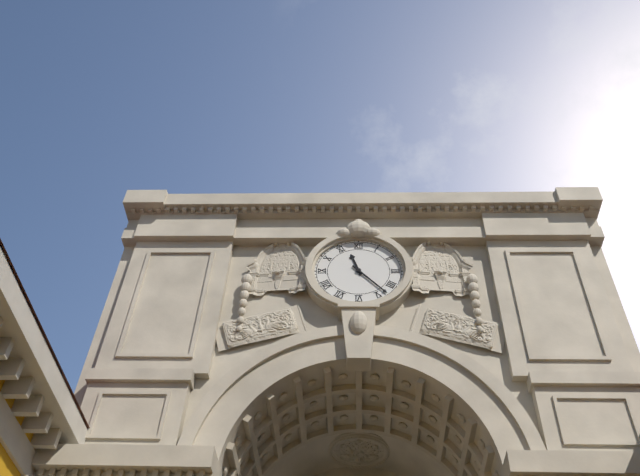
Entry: h=11 m=23
